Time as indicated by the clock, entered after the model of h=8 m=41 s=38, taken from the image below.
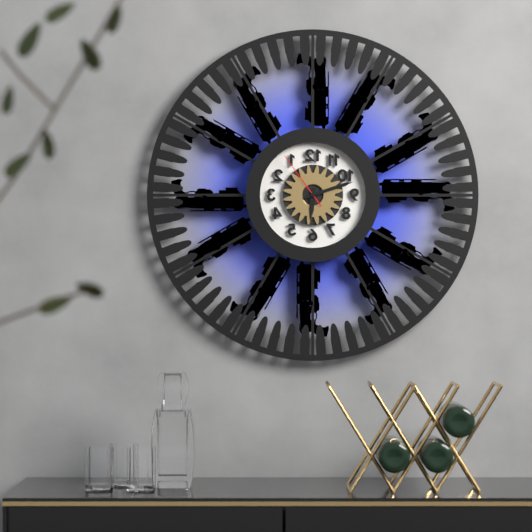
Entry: h=6 m=12 s=54
